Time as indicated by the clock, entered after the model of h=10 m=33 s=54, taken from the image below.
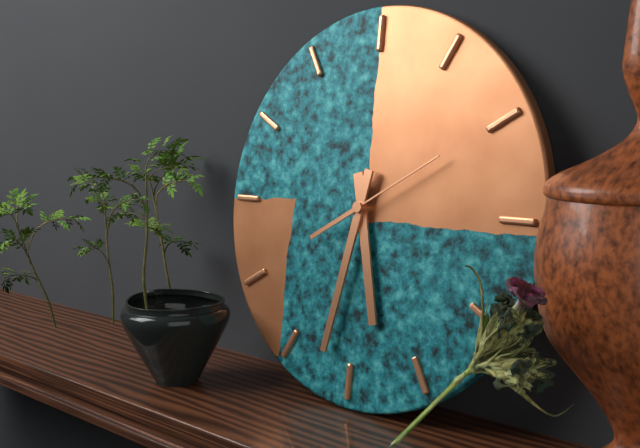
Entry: h=5 m=32 s=10
